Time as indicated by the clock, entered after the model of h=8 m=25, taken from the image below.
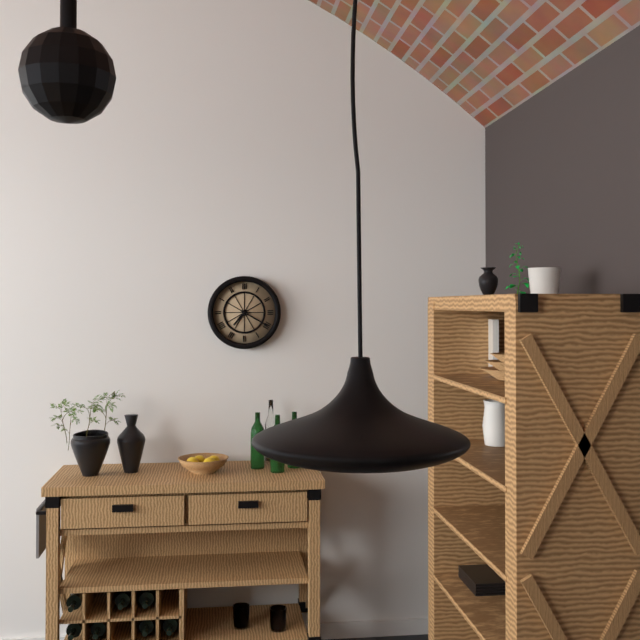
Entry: h=7 m=20
